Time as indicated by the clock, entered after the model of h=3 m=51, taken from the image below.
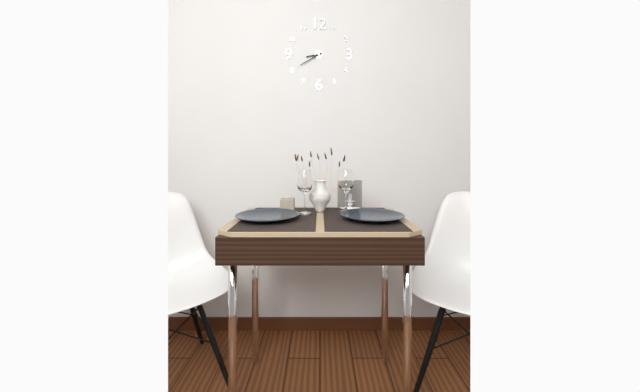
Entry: h=8 m=40
